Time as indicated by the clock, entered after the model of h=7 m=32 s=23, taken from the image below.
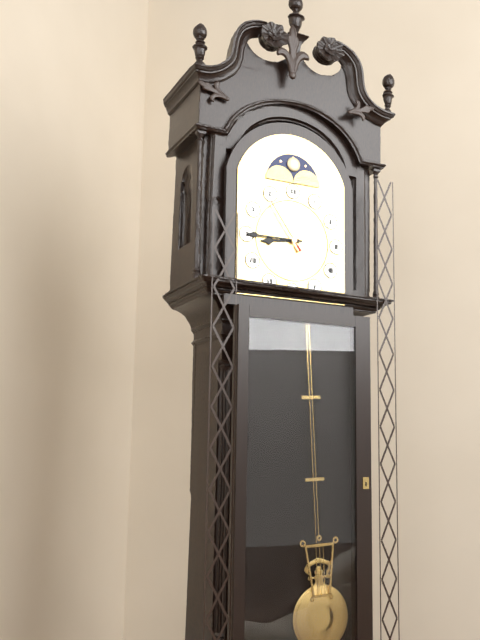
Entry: h=8 m=45 s=54
